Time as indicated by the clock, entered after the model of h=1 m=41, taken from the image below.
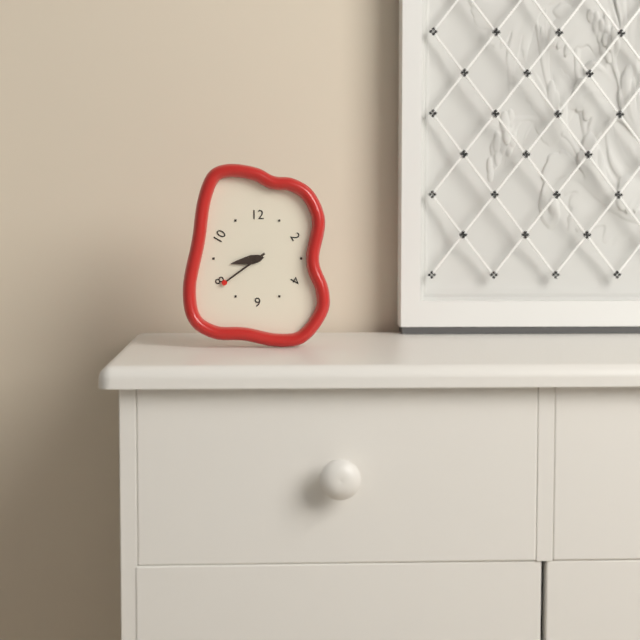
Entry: h=8 m=39
